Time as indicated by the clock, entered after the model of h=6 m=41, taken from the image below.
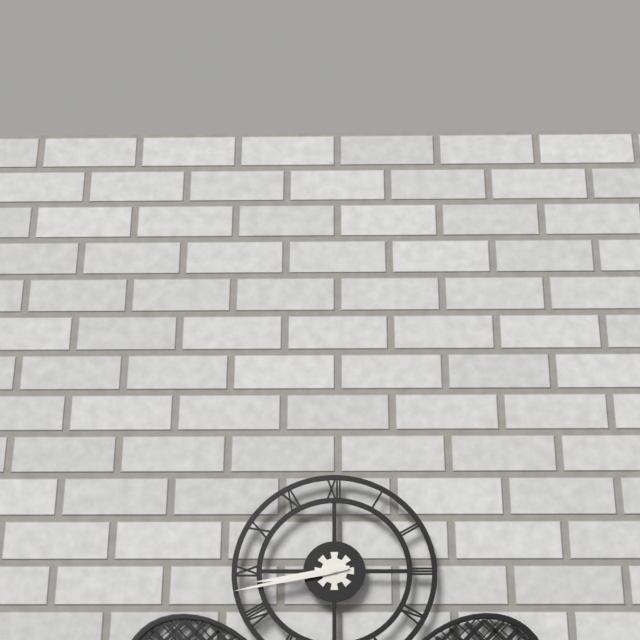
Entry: h=8 m=43
